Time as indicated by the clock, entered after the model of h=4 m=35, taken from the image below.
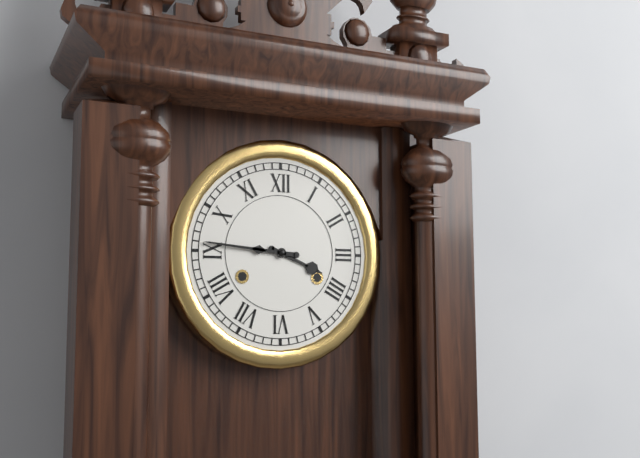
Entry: h=3 m=46
